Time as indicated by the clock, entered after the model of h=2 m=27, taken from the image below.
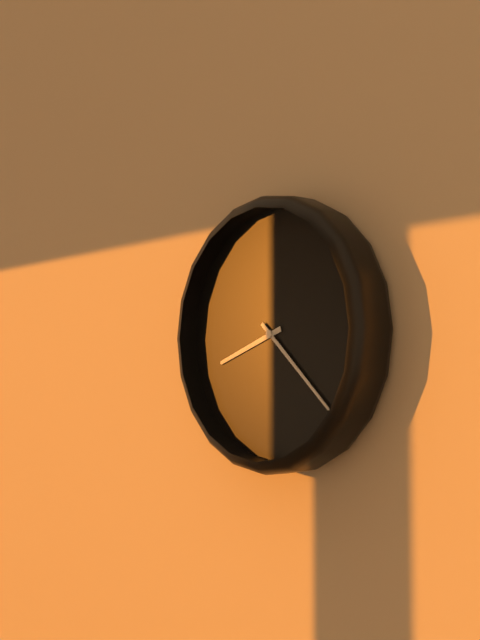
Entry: h=8 m=22
